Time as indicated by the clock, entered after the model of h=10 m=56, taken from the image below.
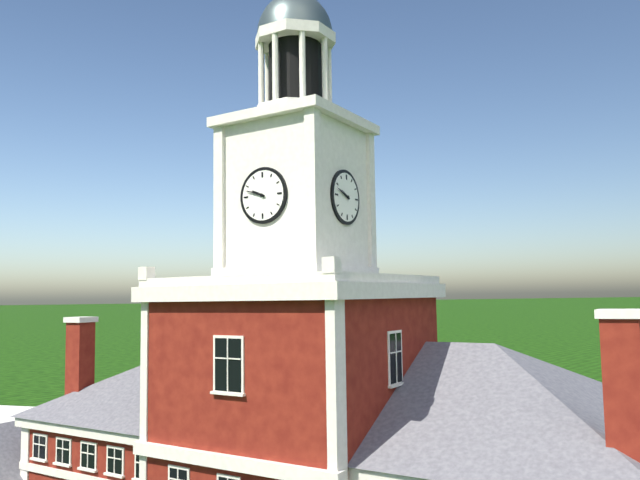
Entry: h=9 m=48
